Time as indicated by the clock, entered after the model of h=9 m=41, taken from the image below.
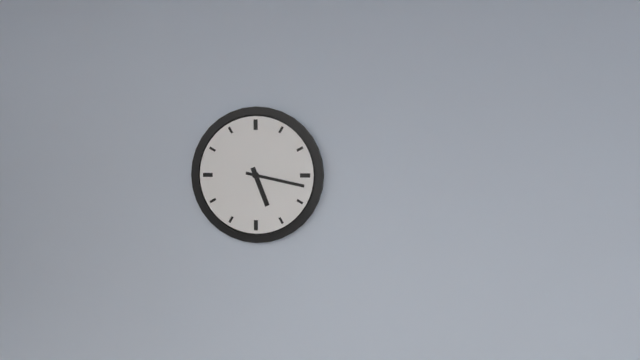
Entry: h=5 m=17
